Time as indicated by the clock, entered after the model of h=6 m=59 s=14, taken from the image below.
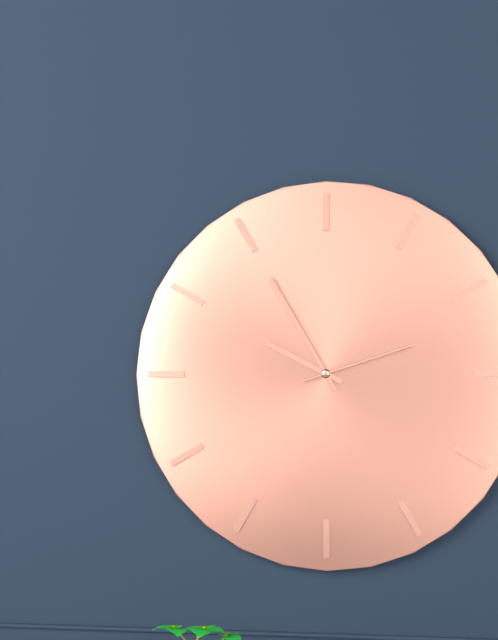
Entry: h=9 m=55 s=12
